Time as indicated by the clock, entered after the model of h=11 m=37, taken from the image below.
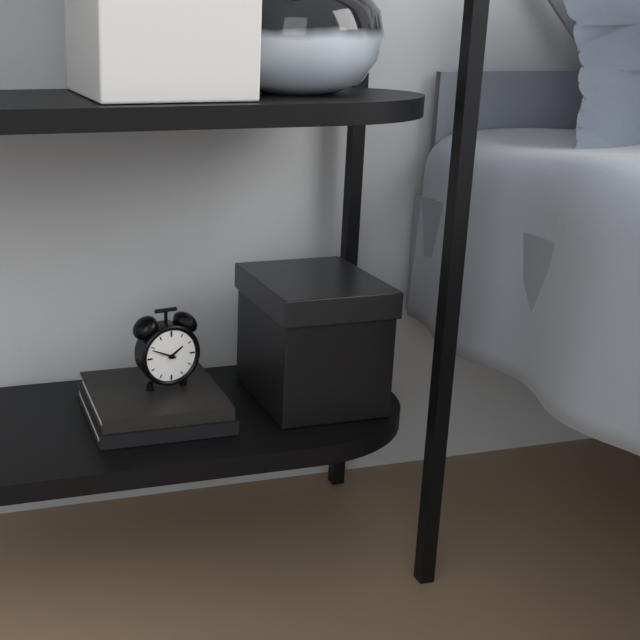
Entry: h=1 m=49
